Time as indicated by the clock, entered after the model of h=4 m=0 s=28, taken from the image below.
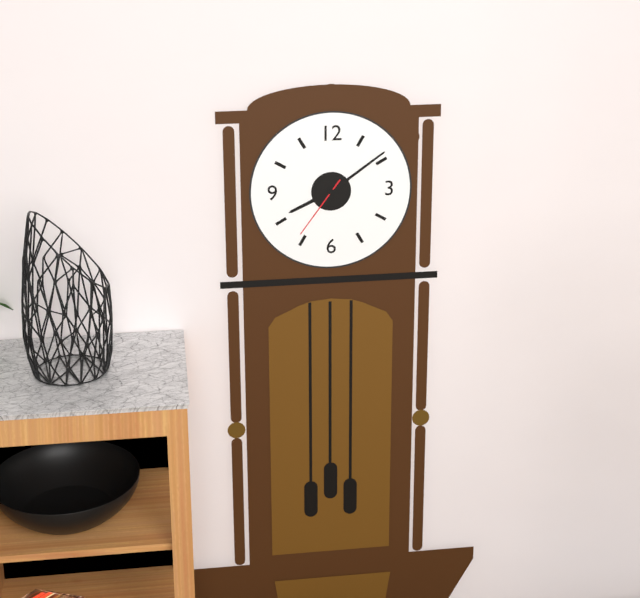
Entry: h=8 m=9 s=36
